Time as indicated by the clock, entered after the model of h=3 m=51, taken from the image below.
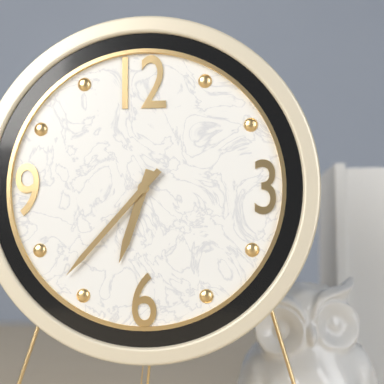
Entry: h=6 m=37
